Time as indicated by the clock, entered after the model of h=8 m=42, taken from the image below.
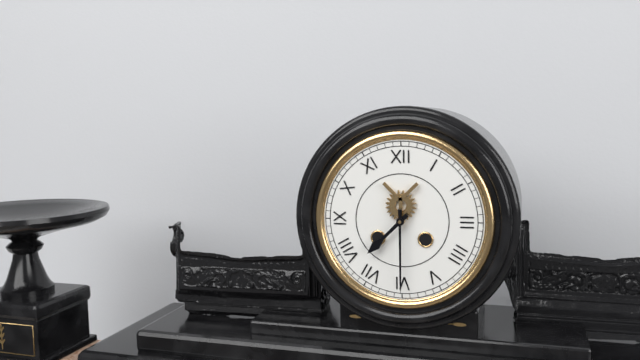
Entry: h=7 m=30
